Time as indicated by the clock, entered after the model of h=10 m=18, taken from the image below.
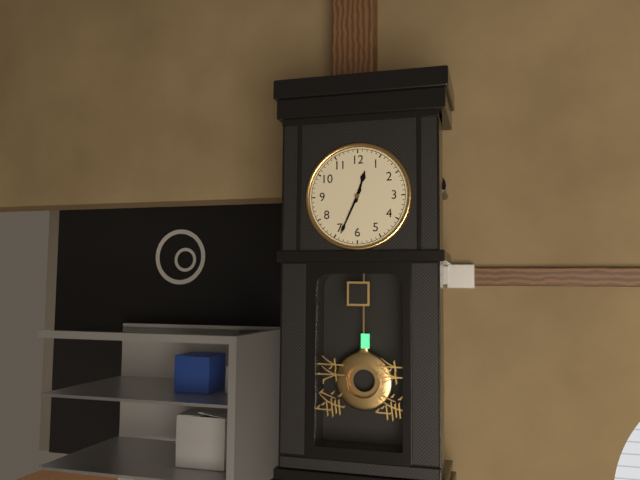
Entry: h=12 m=34
